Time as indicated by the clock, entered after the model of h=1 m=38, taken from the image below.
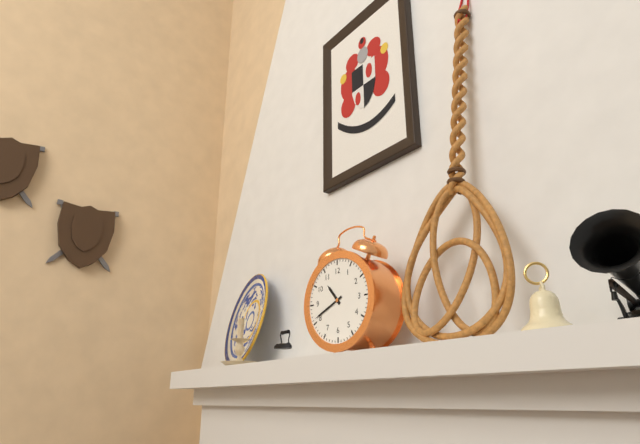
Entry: h=10 m=41
